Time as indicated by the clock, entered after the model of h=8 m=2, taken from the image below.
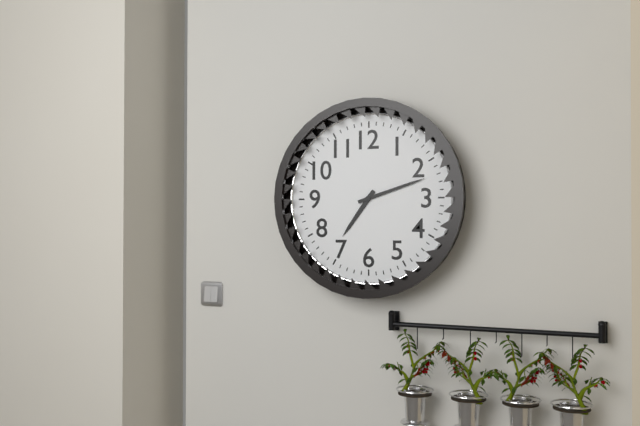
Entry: h=7 m=12
